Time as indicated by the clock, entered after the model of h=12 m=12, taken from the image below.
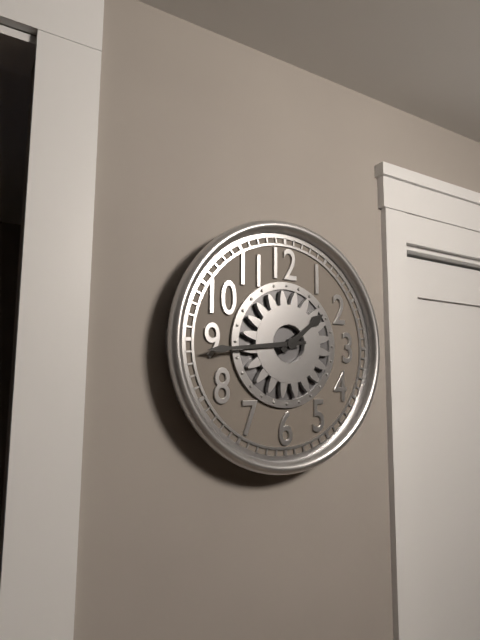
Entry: h=1 m=44
